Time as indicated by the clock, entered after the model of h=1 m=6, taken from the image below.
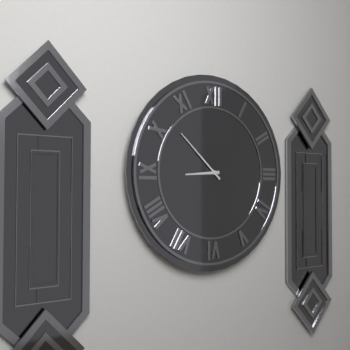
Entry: h=8 m=52
